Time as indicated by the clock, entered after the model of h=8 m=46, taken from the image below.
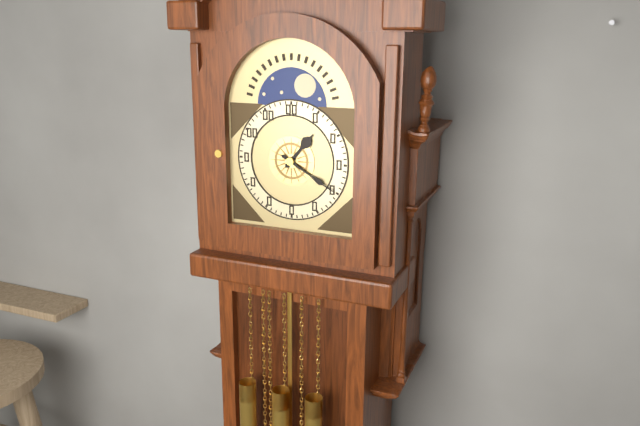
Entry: h=1 m=20
